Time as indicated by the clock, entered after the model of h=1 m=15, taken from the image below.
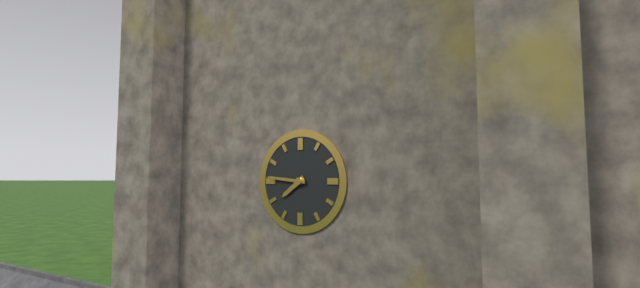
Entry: h=7 m=46
